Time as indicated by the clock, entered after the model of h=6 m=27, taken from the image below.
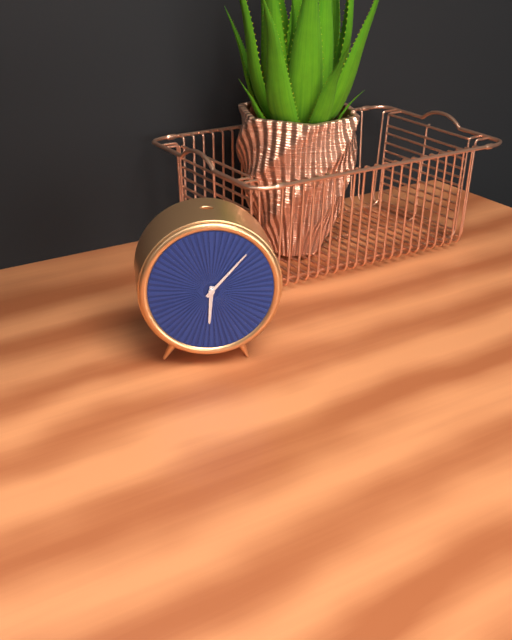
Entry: h=6 m=7
